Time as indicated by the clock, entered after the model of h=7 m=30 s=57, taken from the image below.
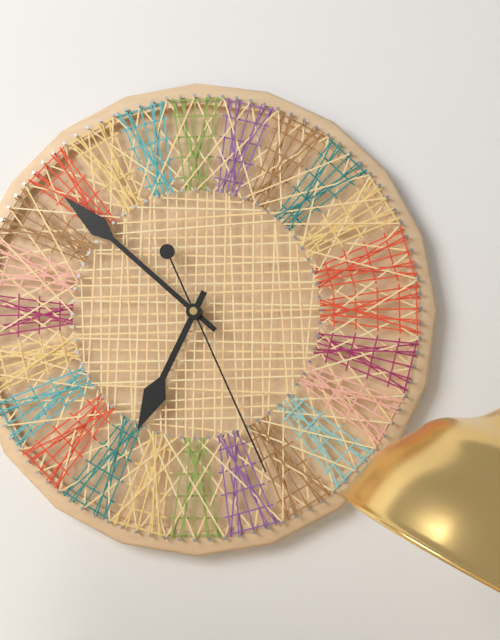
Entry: h=6 m=52 s=26
